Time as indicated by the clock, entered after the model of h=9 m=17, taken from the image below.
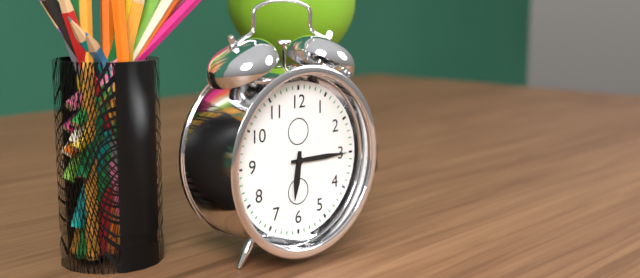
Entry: h=6 m=15
